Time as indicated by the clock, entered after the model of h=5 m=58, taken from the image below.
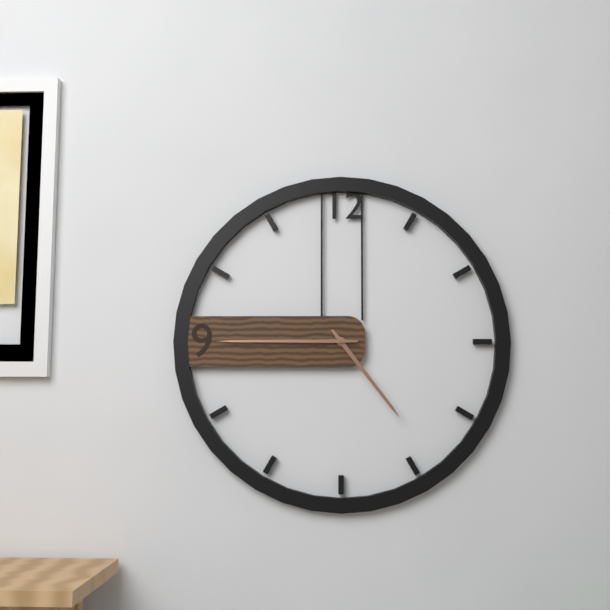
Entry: h=4 m=45
